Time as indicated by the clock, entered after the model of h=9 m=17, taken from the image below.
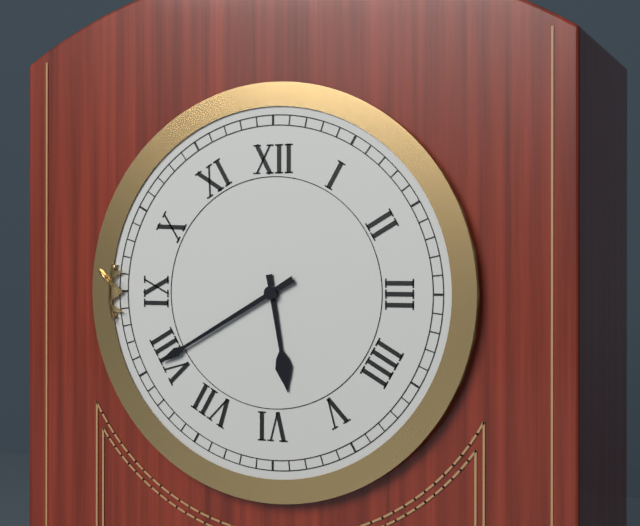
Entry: h=5 m=40
